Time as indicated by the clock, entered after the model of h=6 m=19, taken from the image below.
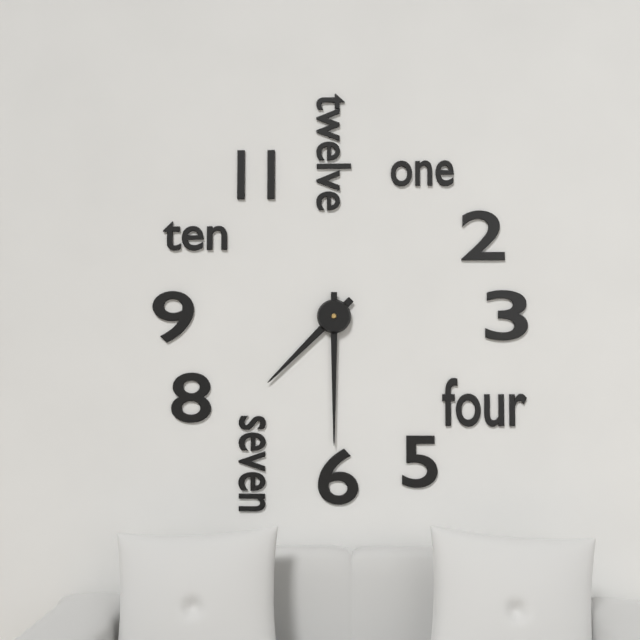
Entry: h=7 m=30
